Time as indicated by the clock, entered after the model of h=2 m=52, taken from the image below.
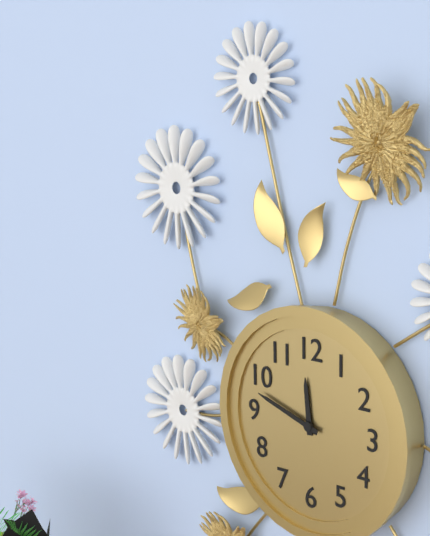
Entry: h=11 m=48
